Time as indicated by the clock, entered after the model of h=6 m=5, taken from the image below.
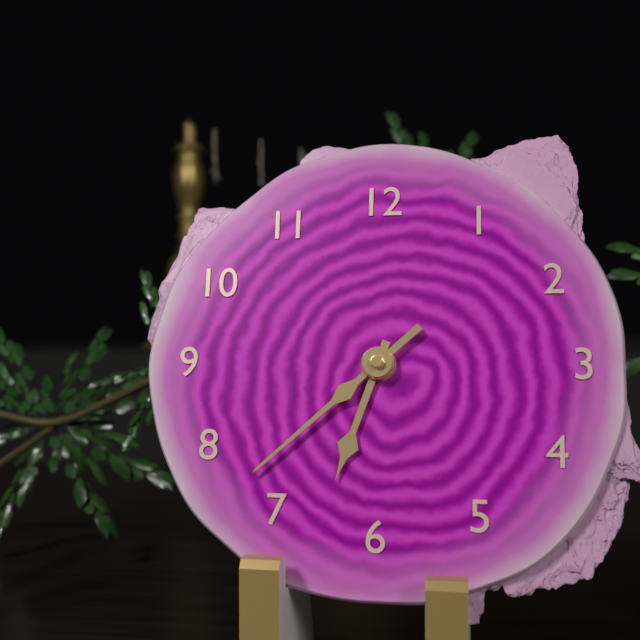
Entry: h=6 m=38
